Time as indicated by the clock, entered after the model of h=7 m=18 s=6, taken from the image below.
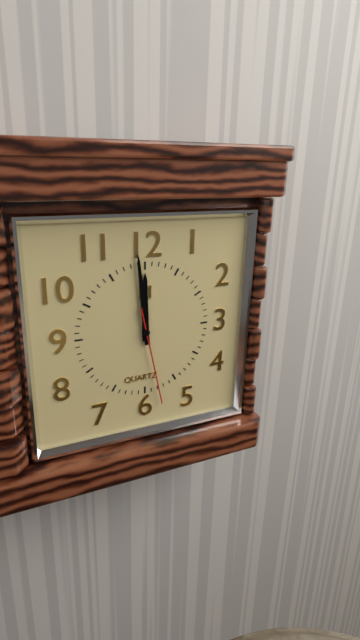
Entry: h=11 m=59 s=28
